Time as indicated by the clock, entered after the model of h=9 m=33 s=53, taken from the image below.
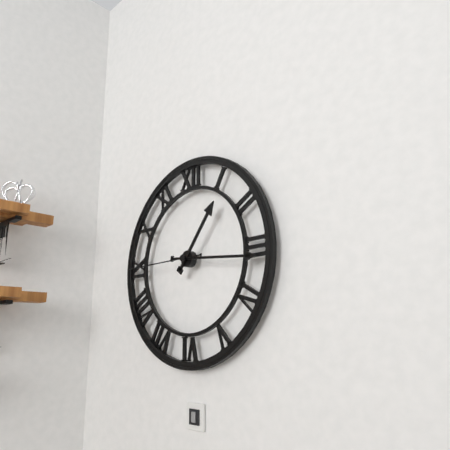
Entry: h=1 m=16 s=45
